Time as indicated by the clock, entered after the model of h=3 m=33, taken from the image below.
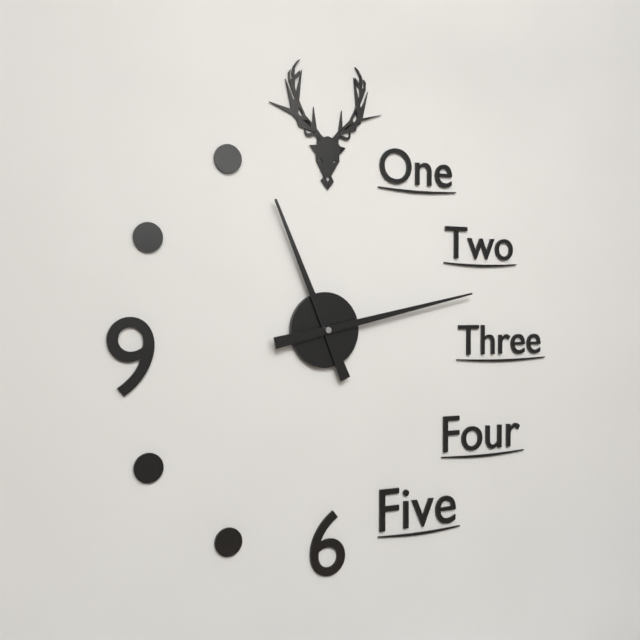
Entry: h=11 m=13
